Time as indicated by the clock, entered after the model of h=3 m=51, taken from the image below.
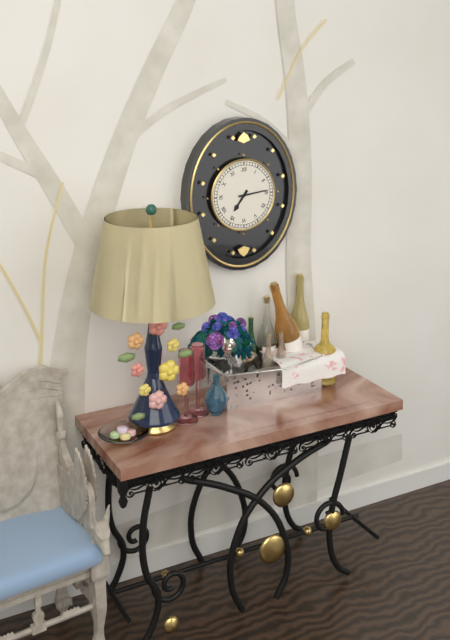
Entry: h=7 m=14
